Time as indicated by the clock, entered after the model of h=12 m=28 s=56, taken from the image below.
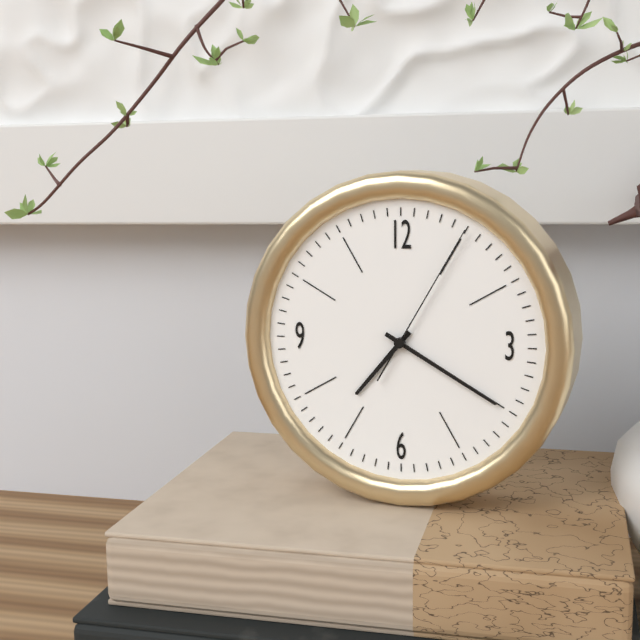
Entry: h=7 m=20 s=5
